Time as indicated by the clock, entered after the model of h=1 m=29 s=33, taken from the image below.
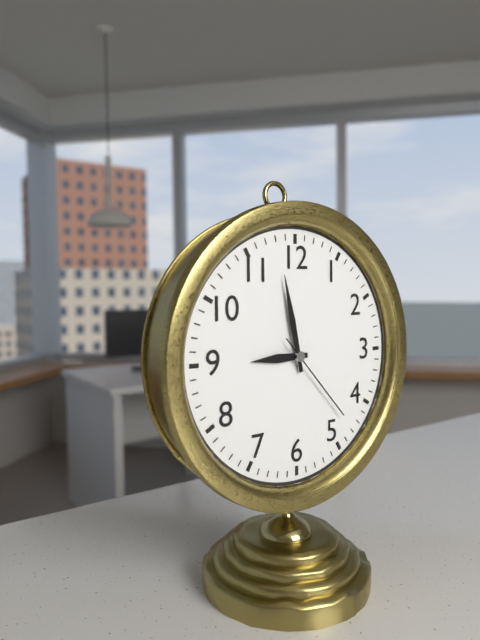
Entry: h=8 m=58 s=23
